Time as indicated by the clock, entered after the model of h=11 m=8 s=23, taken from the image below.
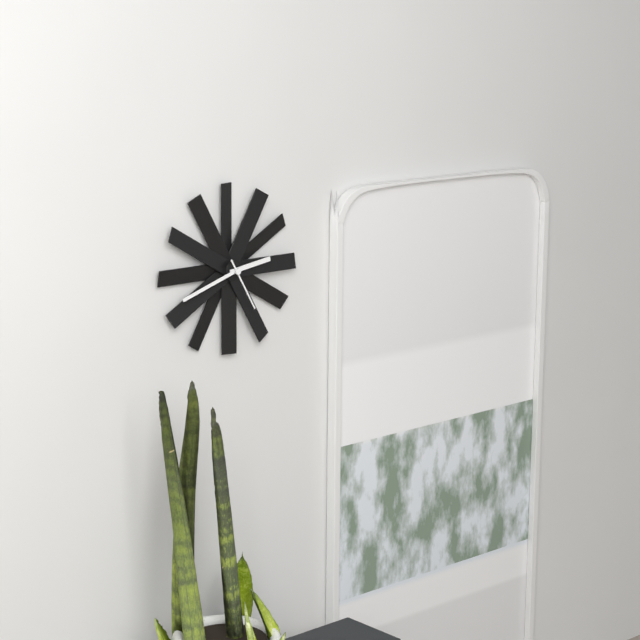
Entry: h=2 m=42 s=25
